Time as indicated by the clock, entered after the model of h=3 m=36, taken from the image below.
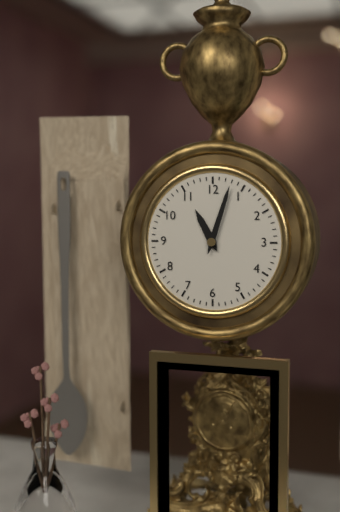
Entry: h=11 m=3
